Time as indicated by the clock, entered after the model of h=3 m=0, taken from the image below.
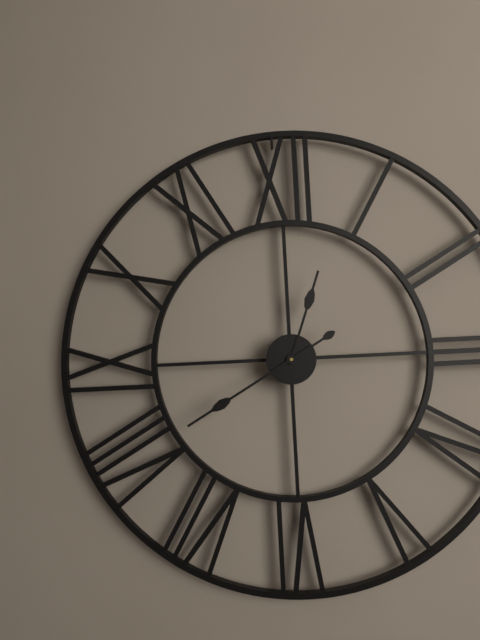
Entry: h=12 m=40
